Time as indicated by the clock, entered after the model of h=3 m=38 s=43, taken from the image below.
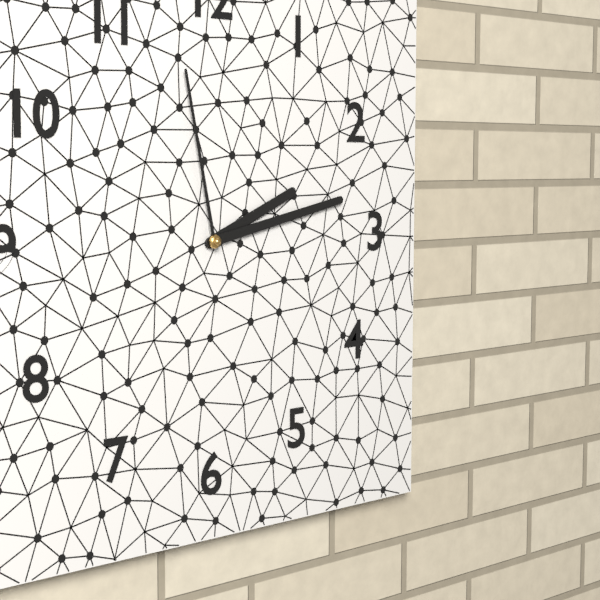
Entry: h=2 m=13 s=58
